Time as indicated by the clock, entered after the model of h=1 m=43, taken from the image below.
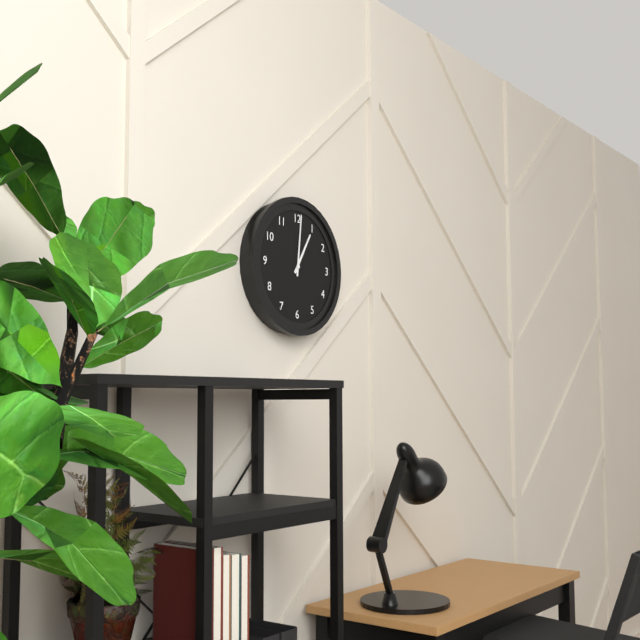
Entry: h=1 m=1
